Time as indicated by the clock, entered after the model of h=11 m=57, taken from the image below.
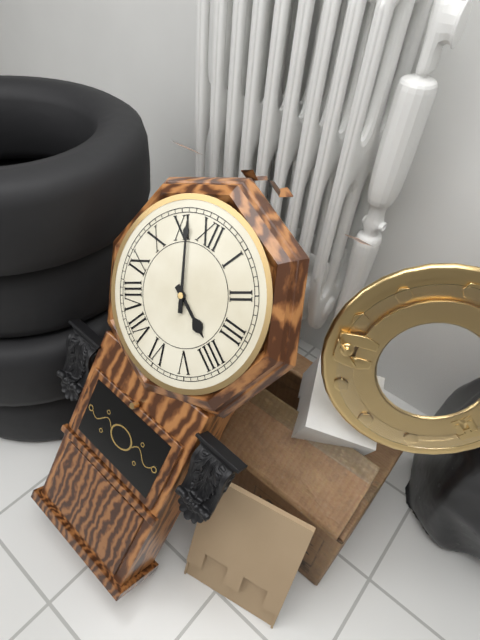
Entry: h=3 m=56
